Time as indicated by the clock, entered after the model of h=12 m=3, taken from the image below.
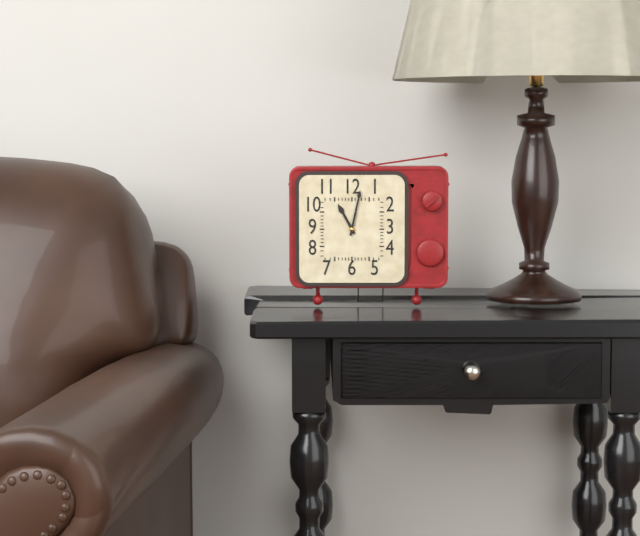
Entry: h=11 m=2
